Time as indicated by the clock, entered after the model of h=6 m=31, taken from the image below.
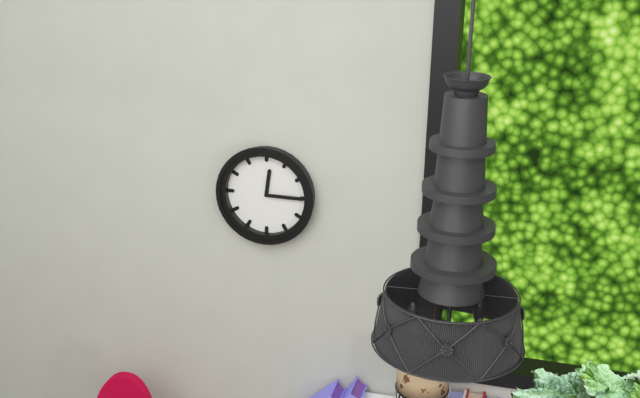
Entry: h=12 m=15
